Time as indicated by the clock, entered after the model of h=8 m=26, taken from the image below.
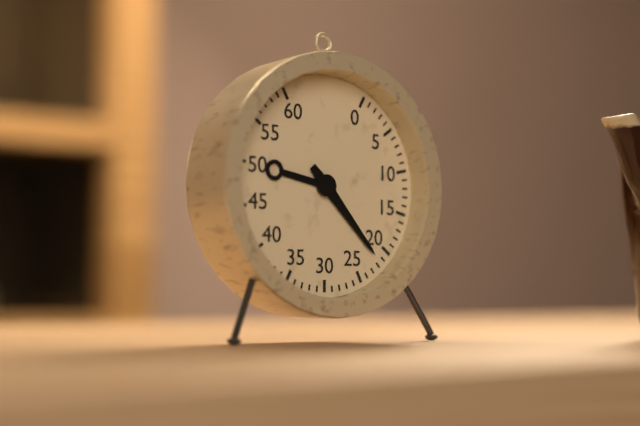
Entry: h=9 m=23
